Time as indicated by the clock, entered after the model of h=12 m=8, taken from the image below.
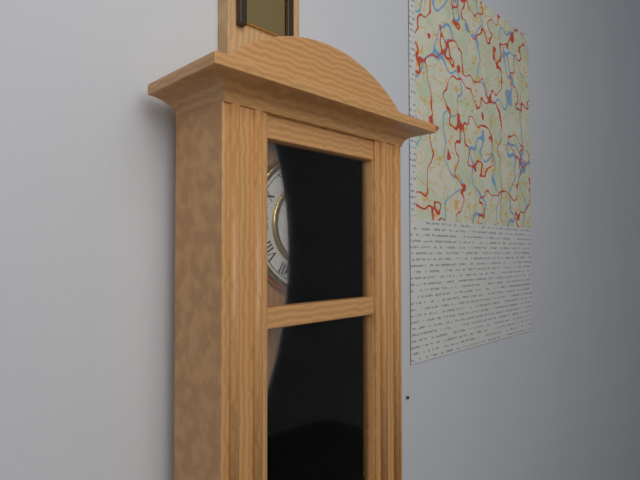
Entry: h=4 m=35
